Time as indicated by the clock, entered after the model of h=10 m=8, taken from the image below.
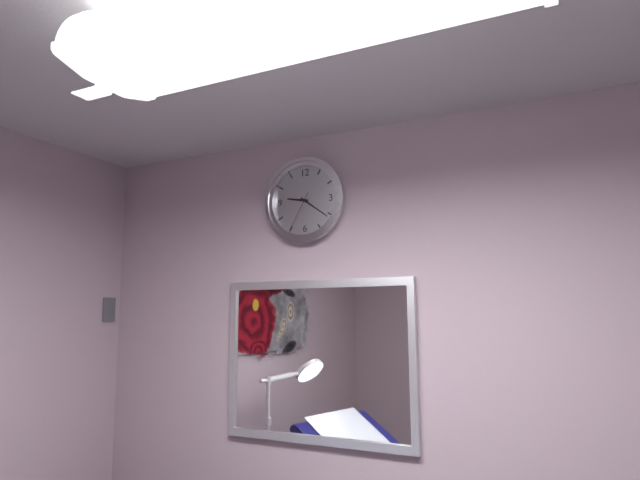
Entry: h=9 m=21
